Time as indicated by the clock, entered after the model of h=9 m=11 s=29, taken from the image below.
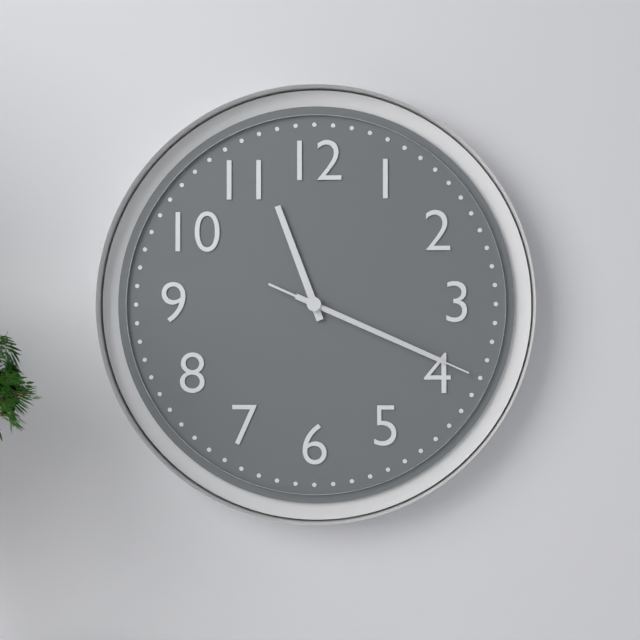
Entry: h=11 m=19 s=19
